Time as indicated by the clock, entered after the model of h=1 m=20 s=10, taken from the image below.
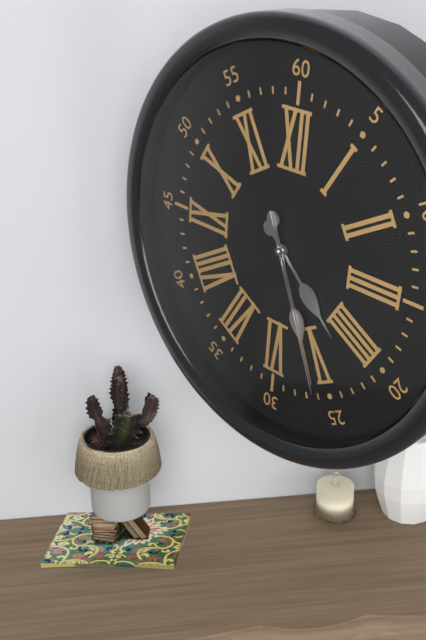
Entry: h=4 m=26 s=26
